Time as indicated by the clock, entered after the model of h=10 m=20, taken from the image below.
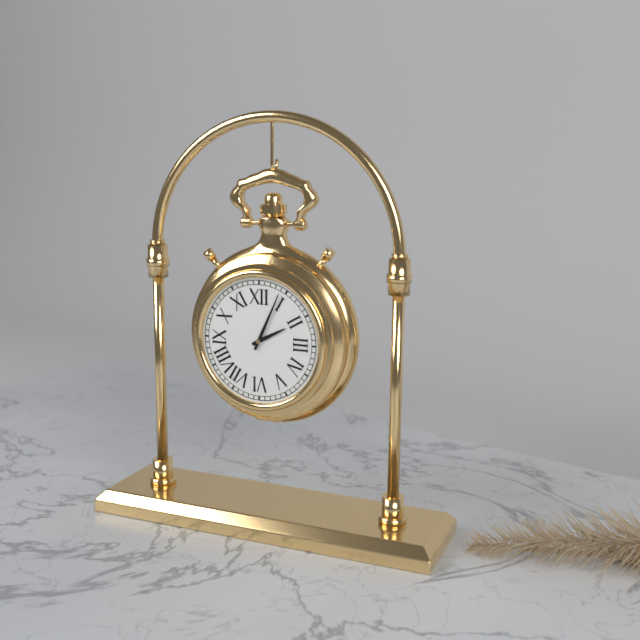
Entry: h=2 m=4
